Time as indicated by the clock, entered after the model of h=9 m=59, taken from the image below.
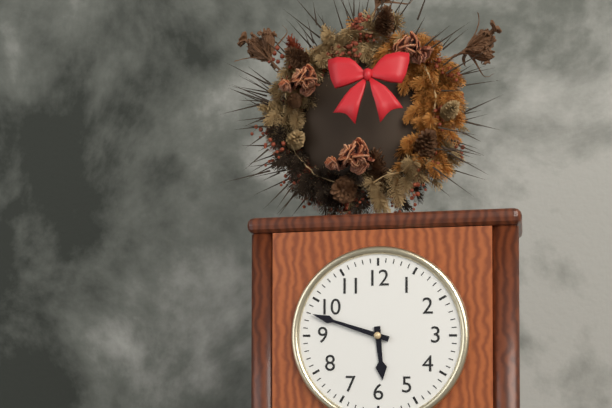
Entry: h=5 m=48
